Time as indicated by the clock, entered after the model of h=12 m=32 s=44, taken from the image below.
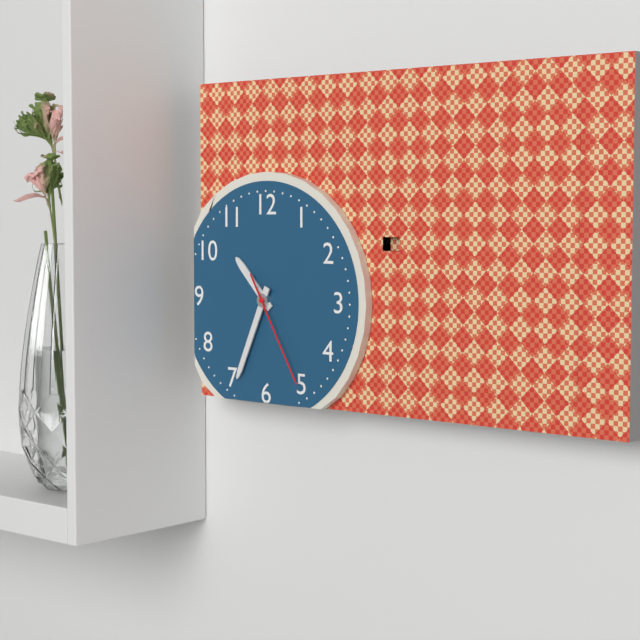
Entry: h=10 m=34 s=25
